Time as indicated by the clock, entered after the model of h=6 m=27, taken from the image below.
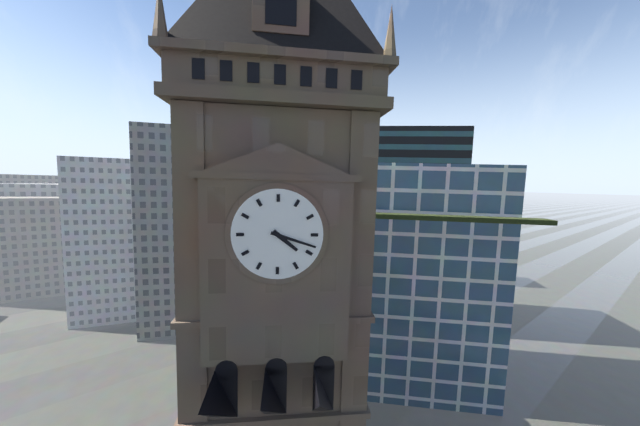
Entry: h=4 m=18
